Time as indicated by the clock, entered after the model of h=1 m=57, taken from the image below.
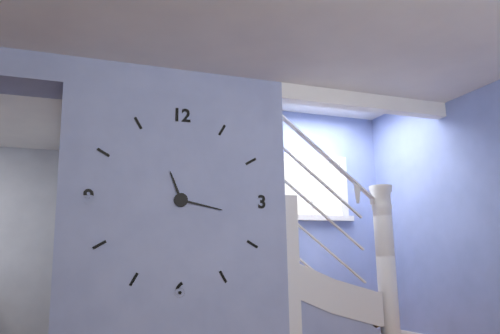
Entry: h=11 m=17
